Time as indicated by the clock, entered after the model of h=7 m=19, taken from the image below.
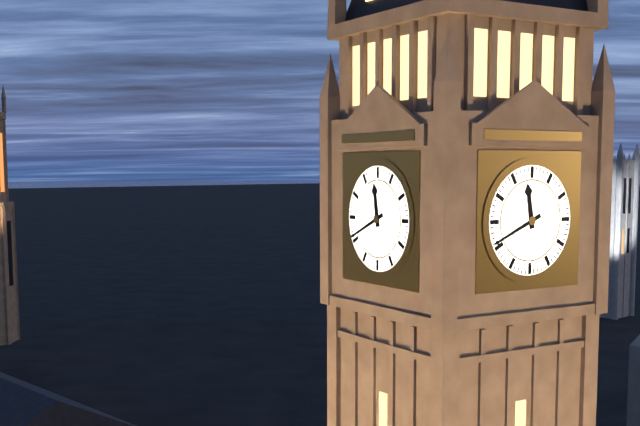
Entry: h=11 m=41
